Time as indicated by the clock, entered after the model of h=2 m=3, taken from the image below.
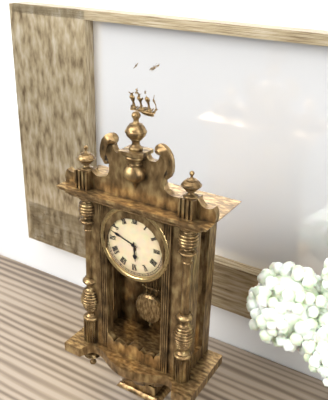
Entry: h=5 m=48
